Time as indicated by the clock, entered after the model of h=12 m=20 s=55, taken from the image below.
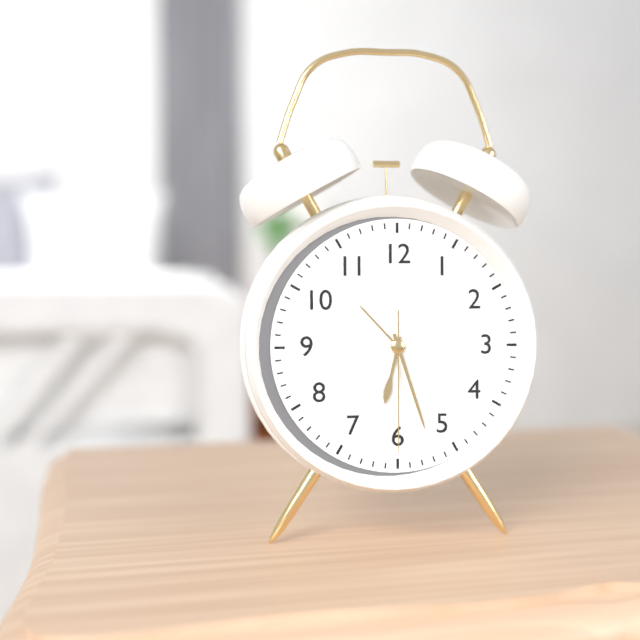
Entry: h=6 m=27 s=30
